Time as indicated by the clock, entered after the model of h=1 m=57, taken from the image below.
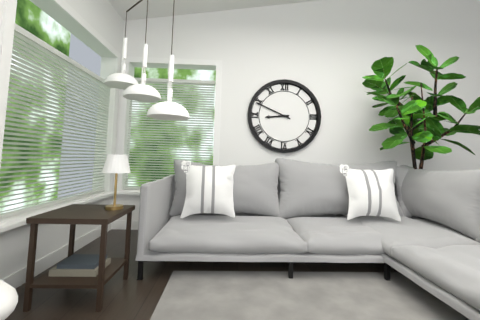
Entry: h=8 m=49
